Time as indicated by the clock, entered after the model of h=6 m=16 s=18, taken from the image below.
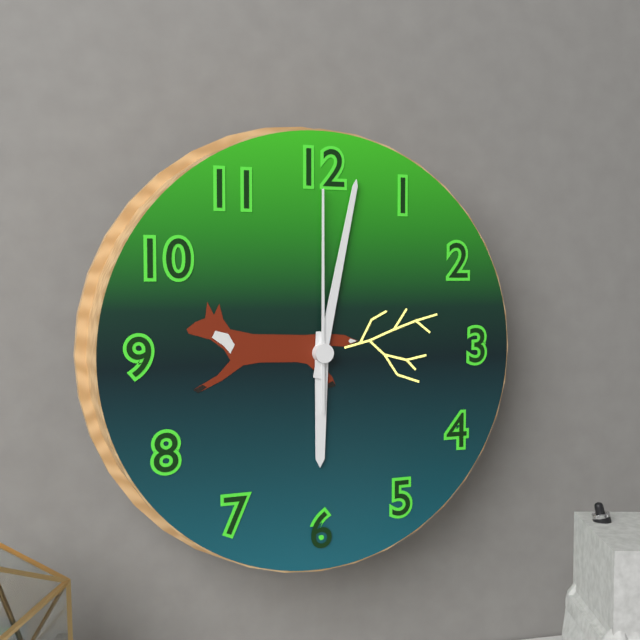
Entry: h=6 m=2 s=0
